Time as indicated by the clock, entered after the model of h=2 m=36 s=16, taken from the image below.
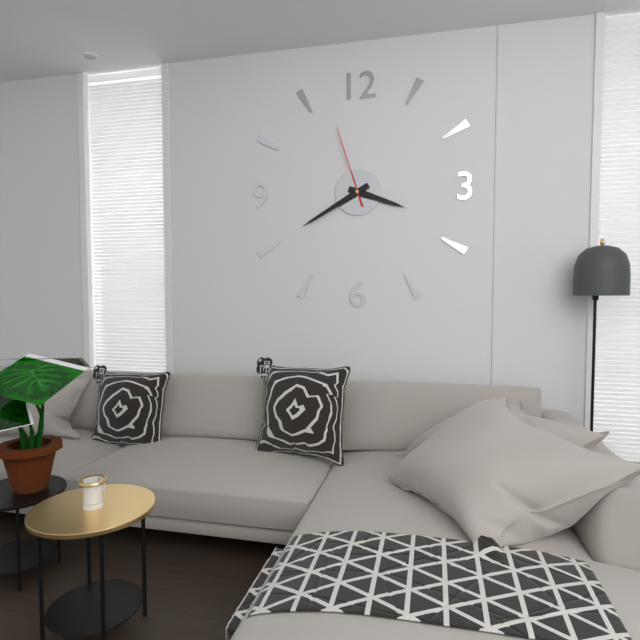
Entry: h=3 m=40 s=57
